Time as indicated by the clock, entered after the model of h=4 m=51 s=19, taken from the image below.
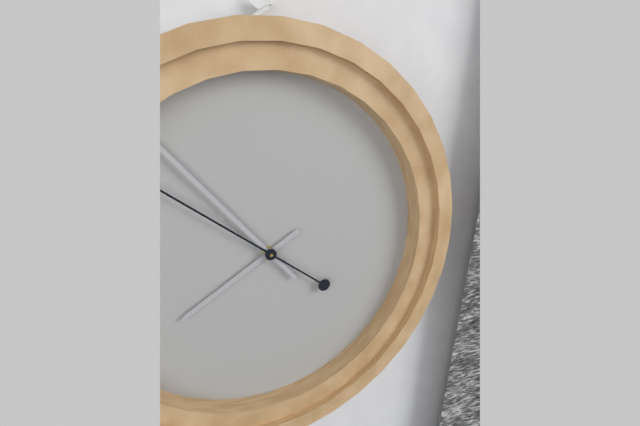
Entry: h=7 m=53 s=51
